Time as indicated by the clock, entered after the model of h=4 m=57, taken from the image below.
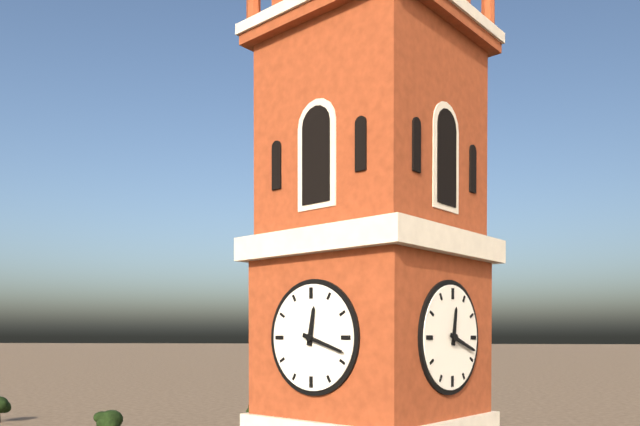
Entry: h=12 m=18
